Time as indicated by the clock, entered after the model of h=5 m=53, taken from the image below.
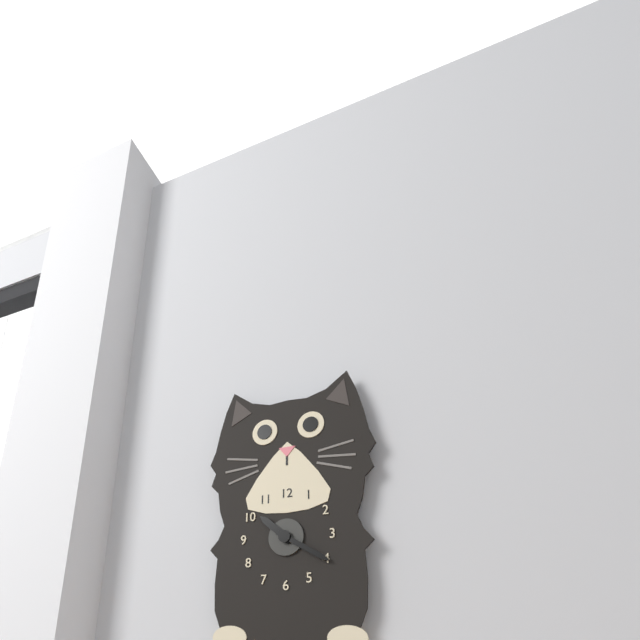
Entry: h=10 m=20
